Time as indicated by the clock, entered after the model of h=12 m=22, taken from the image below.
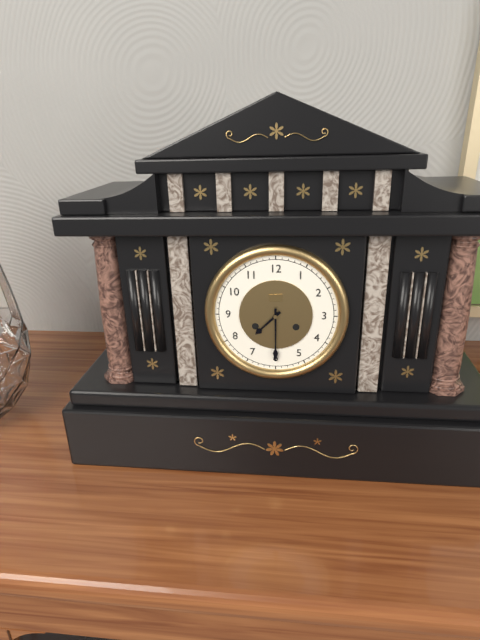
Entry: h=7 m=30
